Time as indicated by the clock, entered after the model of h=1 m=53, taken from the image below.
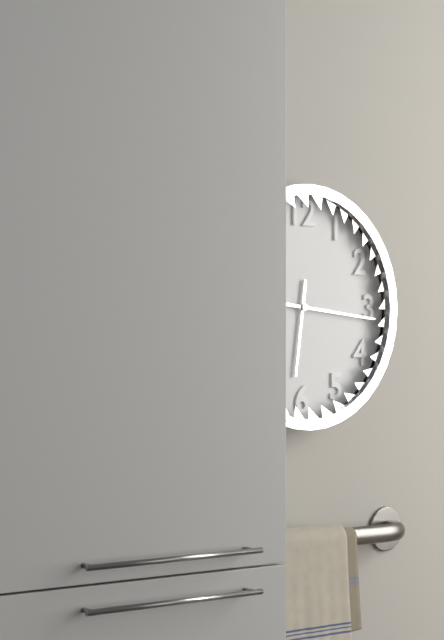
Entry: h=6 m=16
